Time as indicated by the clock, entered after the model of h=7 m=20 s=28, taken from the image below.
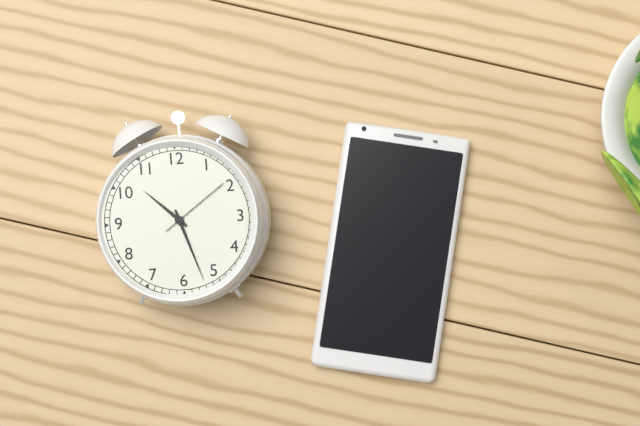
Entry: h=10 m=27 s=9
